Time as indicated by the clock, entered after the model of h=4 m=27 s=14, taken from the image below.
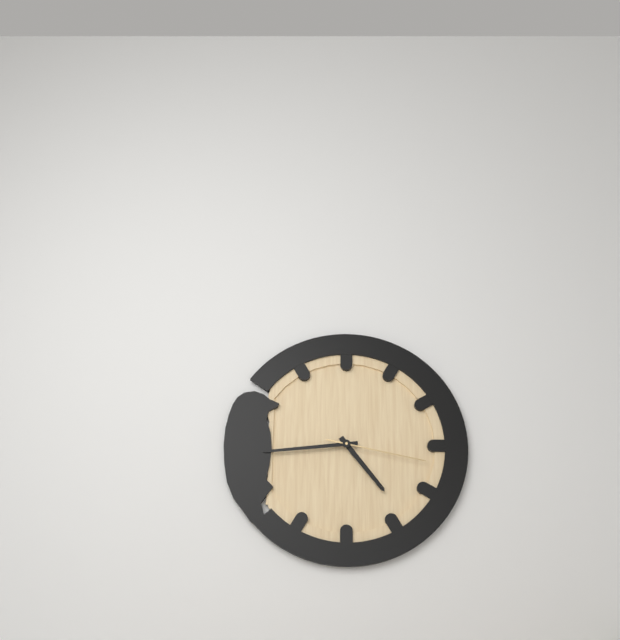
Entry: h=4 m=44 s=17
